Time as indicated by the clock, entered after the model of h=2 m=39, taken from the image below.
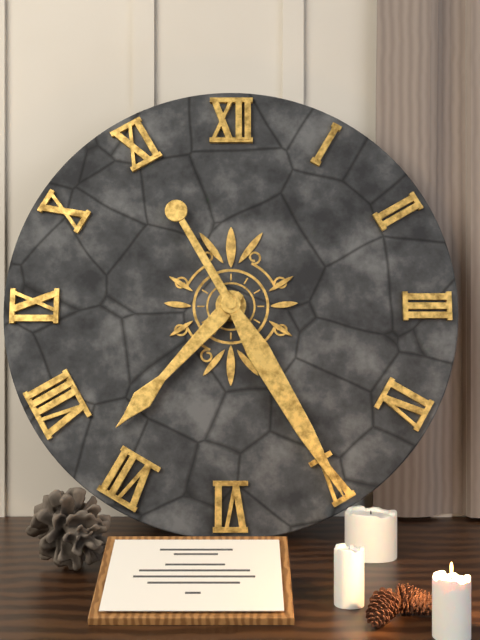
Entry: h=7 m=25
